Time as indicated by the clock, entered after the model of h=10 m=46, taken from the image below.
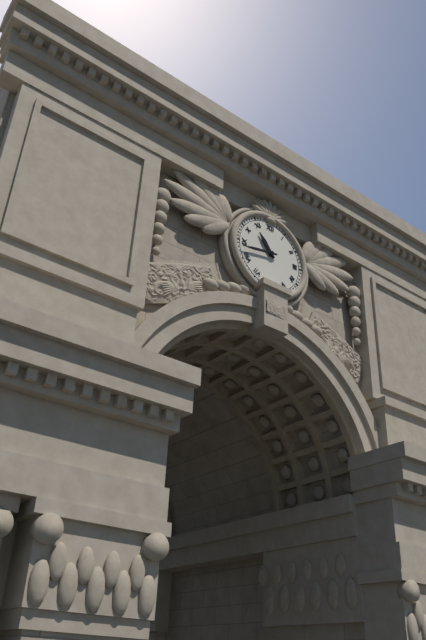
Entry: h=10 m=43
